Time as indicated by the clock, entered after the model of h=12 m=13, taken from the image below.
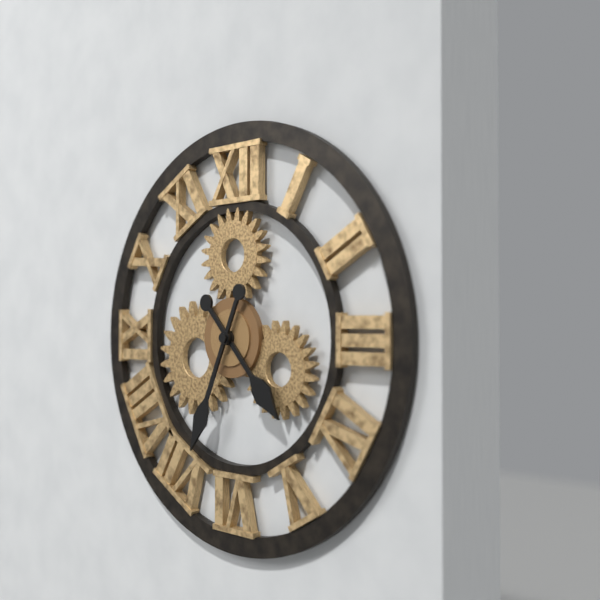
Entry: h=4 m=34
